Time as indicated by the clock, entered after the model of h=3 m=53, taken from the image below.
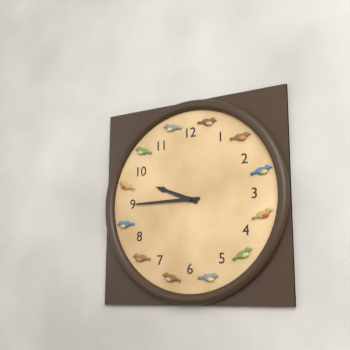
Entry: h=9 m=45
